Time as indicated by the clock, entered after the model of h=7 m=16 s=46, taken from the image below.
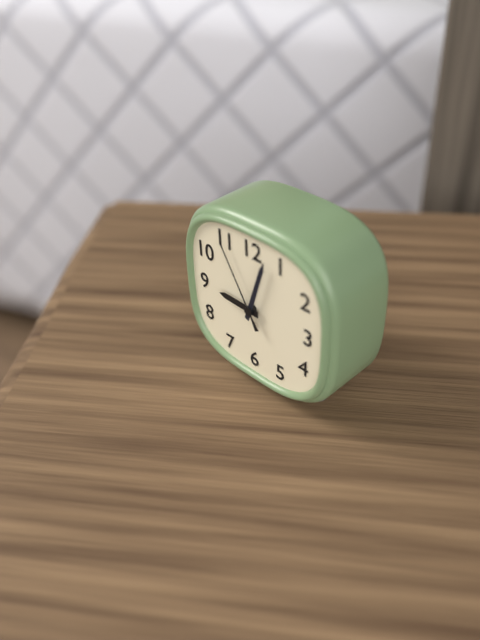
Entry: h=9 m=3 s=55
